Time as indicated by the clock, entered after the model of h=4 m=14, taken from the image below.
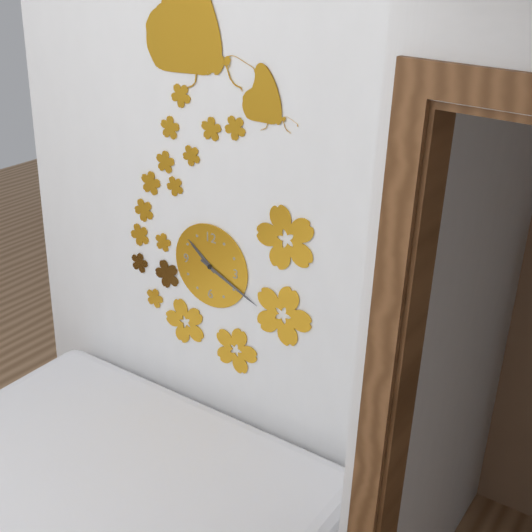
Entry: h=10 m=19
